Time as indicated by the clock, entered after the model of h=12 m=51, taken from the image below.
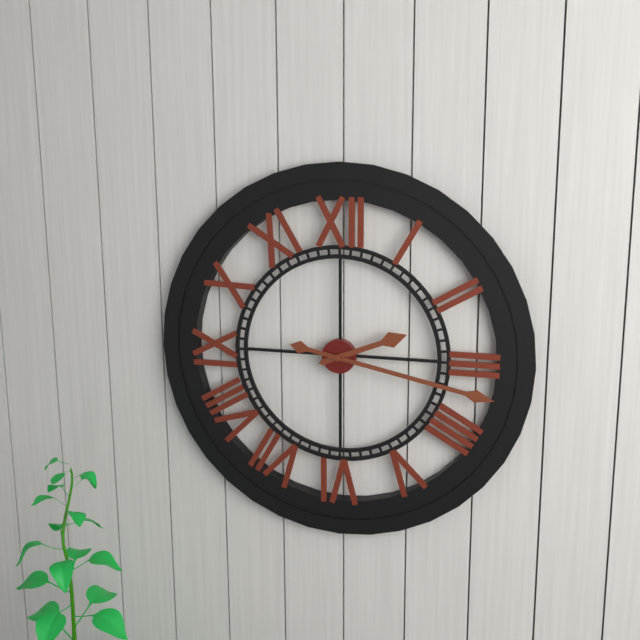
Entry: h=2 m=17
